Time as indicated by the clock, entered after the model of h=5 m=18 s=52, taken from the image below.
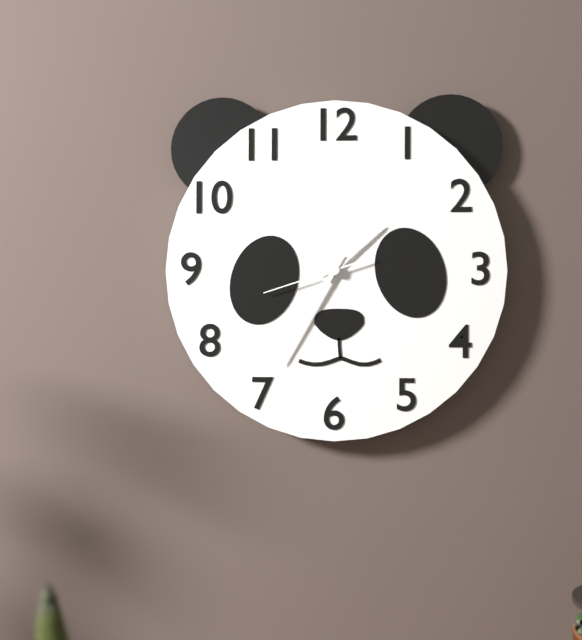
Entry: h=1 m=35 s=42
